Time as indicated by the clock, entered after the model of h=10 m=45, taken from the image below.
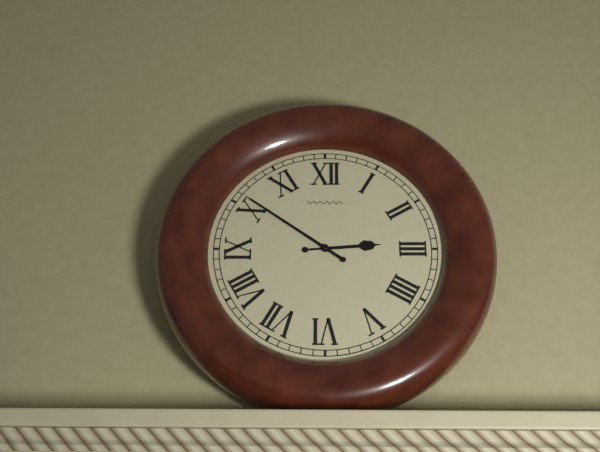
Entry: h=2 m=51
